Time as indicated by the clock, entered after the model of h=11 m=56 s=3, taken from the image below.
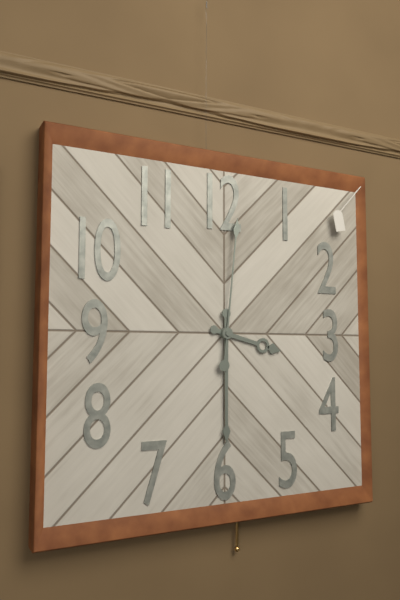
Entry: h=3 m=30 s=1
